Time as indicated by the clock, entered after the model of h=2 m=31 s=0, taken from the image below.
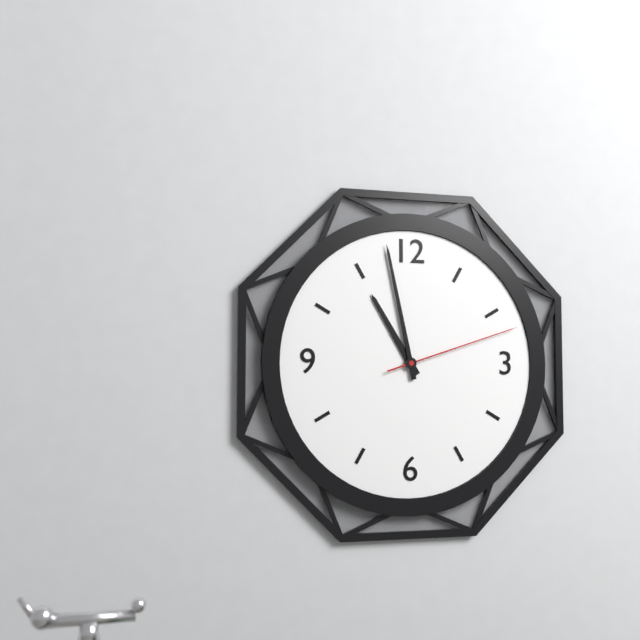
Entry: h=10 m=58 s=12
